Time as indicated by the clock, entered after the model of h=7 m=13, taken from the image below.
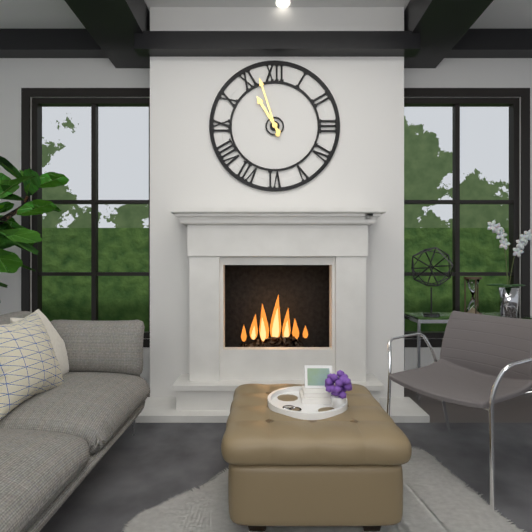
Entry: h=10 m=57
